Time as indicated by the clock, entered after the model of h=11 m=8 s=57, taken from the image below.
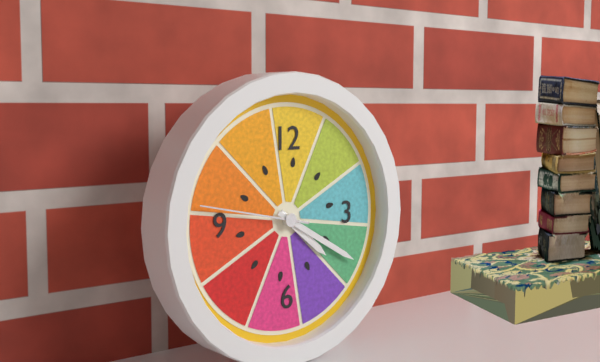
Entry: h=4 m=20 s=47
